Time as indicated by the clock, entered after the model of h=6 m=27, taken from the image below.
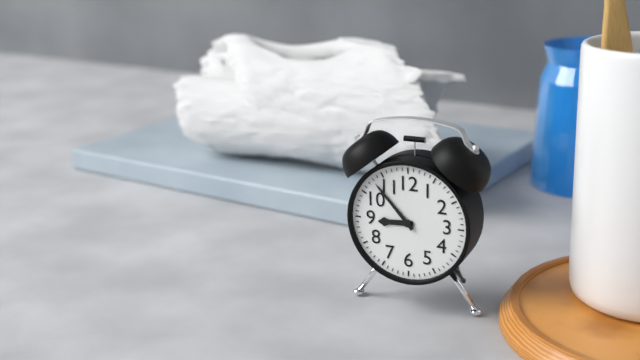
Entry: h=8 m=53
